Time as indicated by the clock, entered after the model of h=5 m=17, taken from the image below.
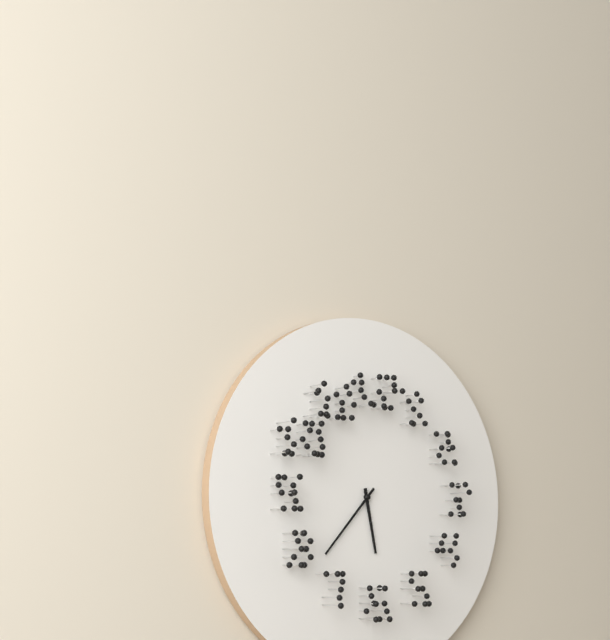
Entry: h=5 m=37
